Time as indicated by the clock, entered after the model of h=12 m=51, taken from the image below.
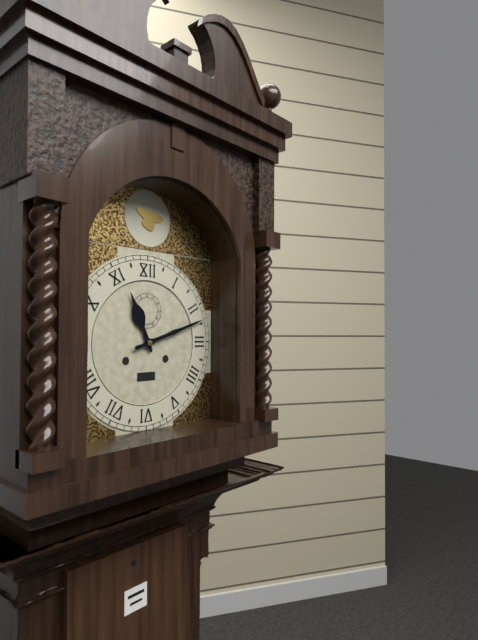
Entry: h=11 m=12
